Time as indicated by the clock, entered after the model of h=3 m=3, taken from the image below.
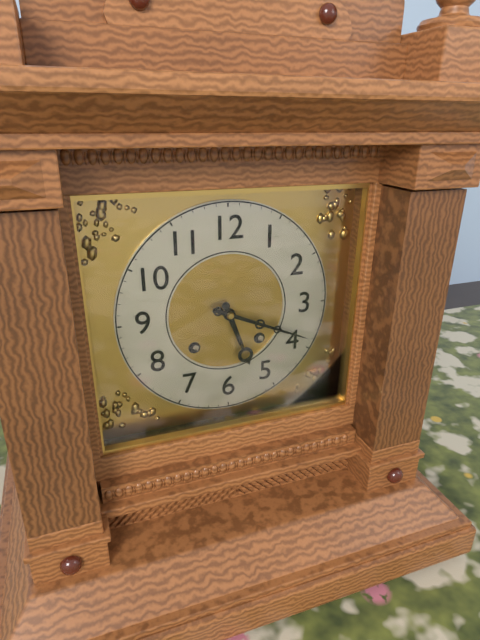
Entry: h=5 m=19
